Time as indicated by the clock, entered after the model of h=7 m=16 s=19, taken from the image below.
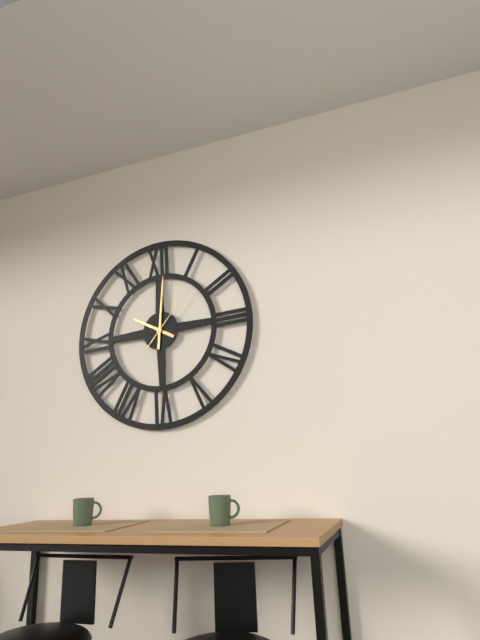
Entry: h=10 m=1 s=7
